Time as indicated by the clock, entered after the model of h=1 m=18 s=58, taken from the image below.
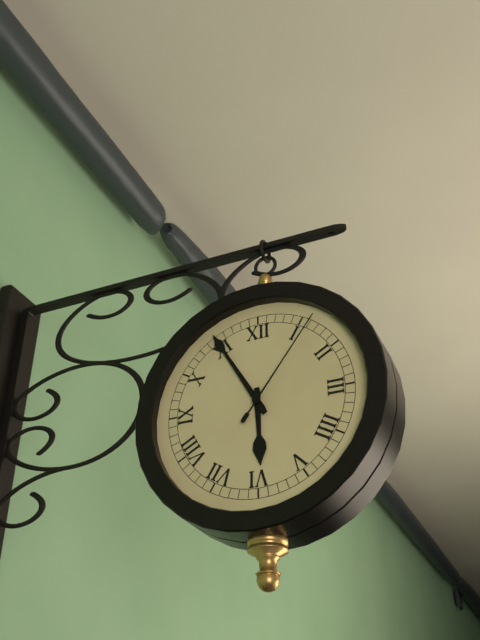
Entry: h=5 m=55 s=6
